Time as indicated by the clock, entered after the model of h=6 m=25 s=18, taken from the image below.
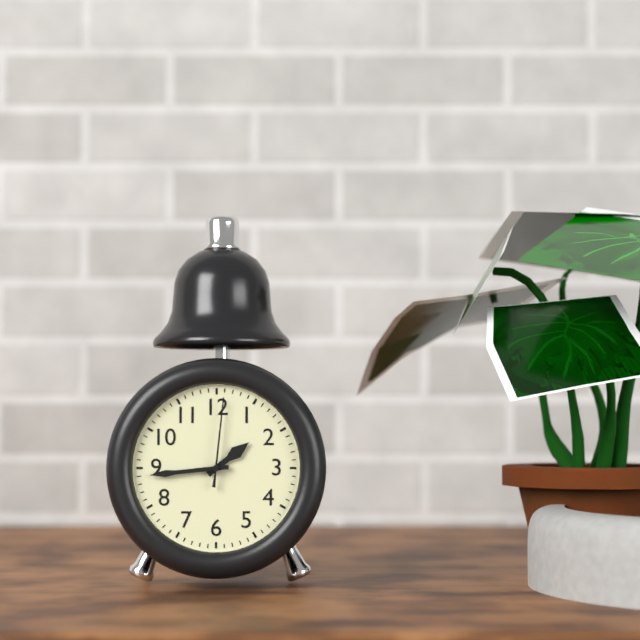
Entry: h=1 m=44 s=1
